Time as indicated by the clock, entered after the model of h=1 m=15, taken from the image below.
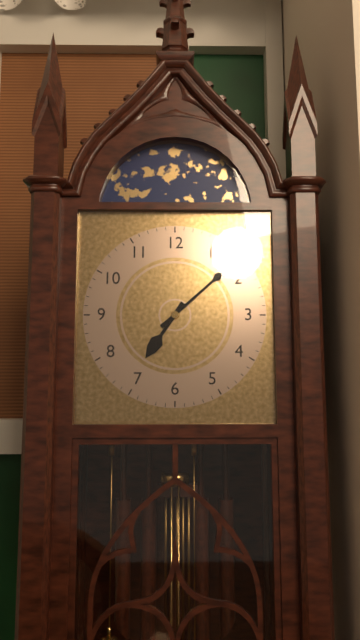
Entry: h=7 m=8
